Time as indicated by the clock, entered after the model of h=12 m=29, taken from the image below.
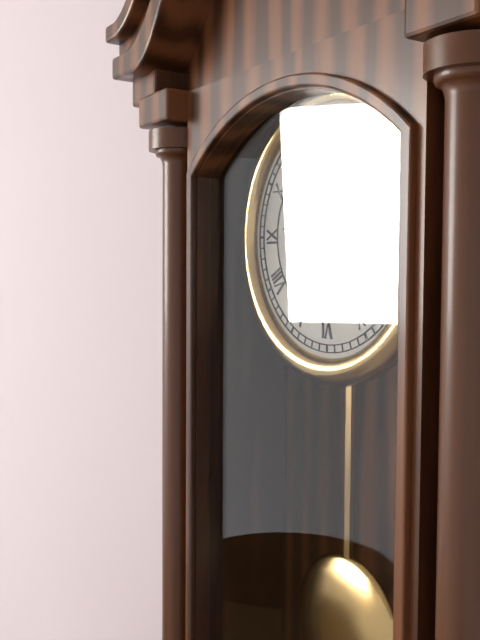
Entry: h=9 m=12
